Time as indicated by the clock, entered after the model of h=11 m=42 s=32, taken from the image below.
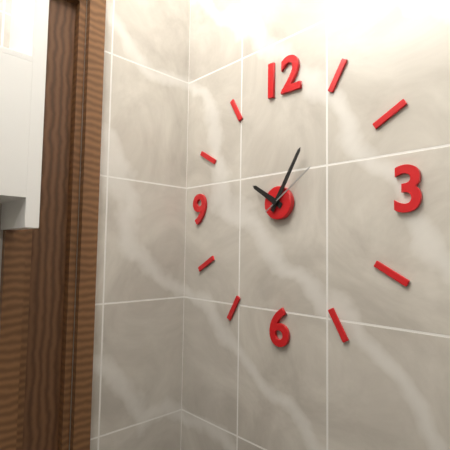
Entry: h=10 m=5 s=9
